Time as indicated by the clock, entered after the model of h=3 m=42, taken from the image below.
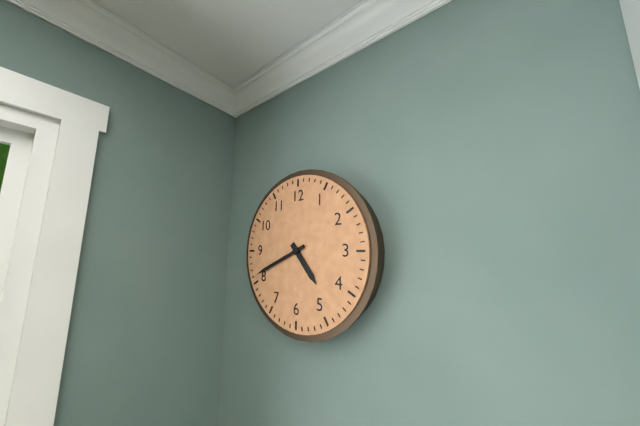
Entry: h=4 m=41
